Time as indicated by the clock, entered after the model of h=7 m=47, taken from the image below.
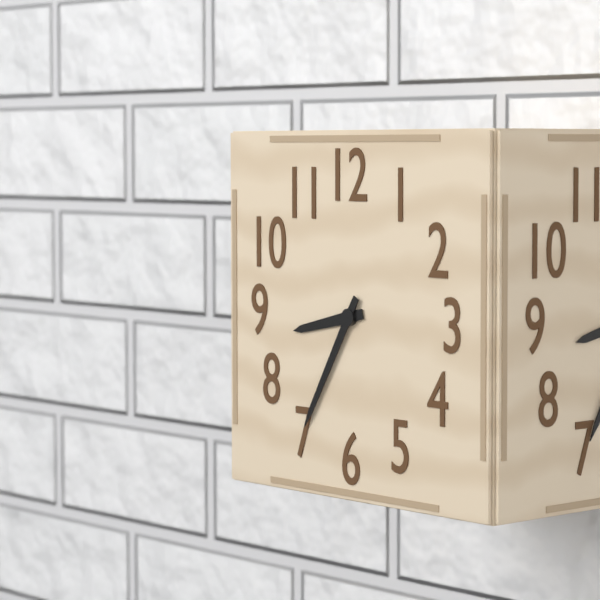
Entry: h=8 m=35
